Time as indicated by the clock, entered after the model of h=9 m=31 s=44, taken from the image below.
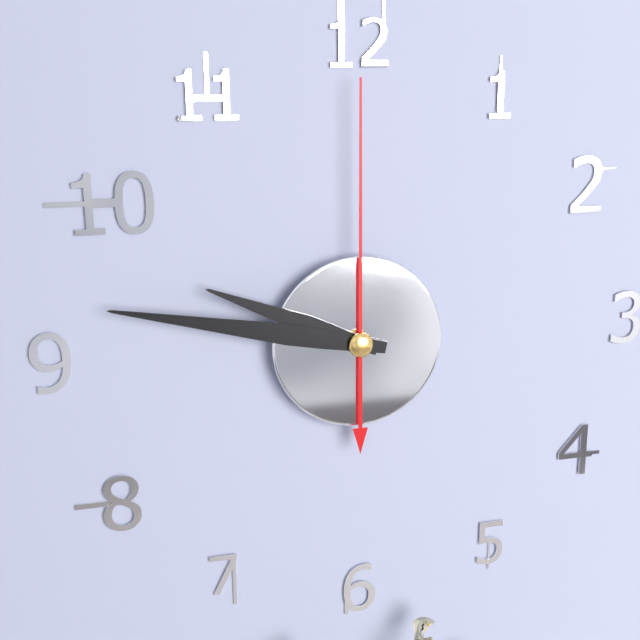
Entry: h=9 m=47 s=0
